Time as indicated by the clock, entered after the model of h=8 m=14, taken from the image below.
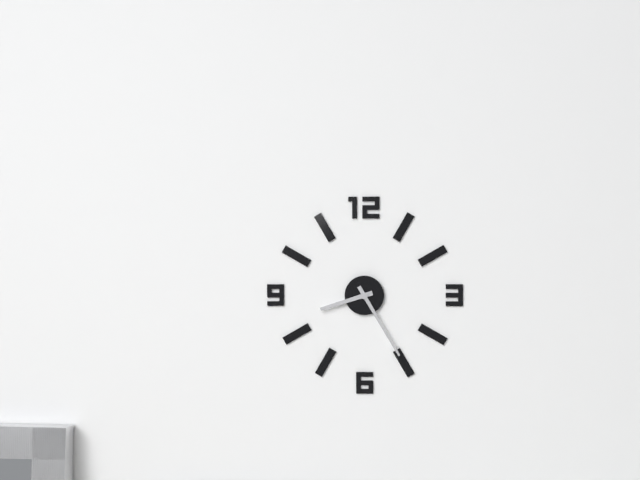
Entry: h=8 m=25
